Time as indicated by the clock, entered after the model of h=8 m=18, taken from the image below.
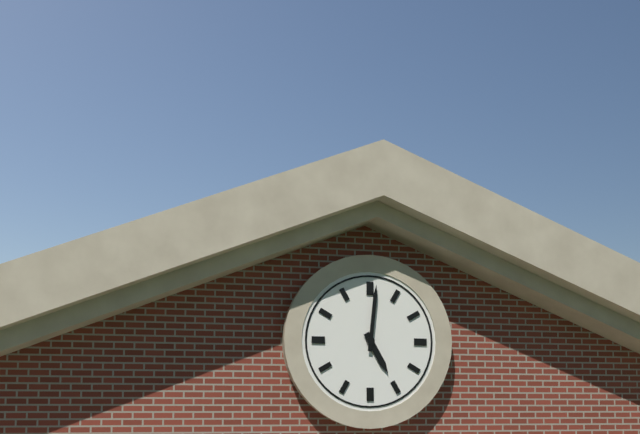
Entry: h=5 m=1
